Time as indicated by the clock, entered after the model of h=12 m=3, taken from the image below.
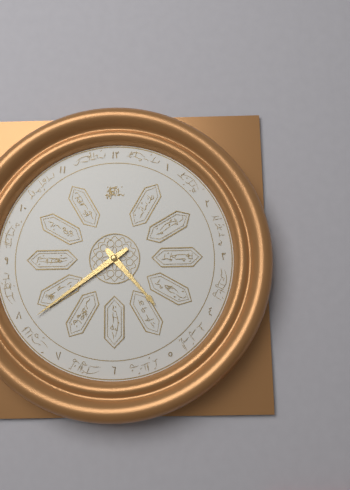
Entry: h=4 m=39
